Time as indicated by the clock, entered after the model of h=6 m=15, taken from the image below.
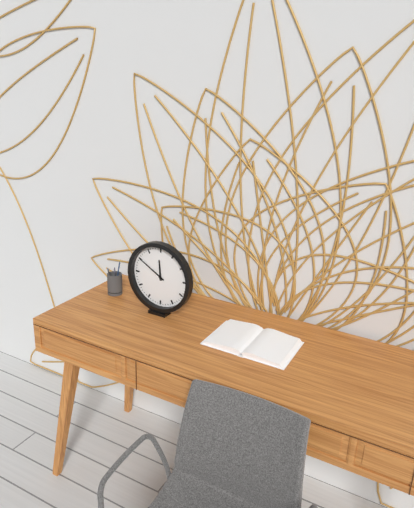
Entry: h=11 m=50
